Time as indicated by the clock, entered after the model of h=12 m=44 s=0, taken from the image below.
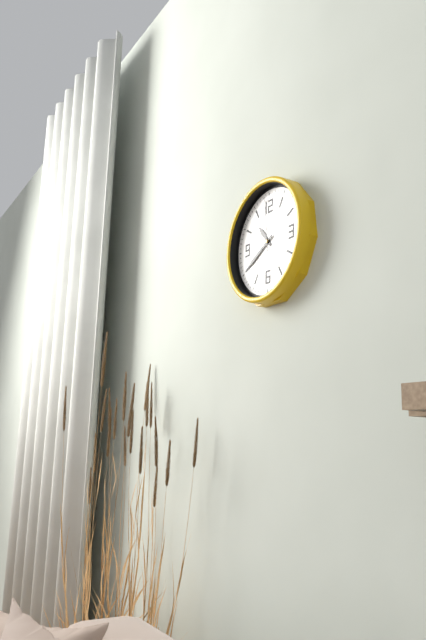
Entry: h=10 m=40 s=59
